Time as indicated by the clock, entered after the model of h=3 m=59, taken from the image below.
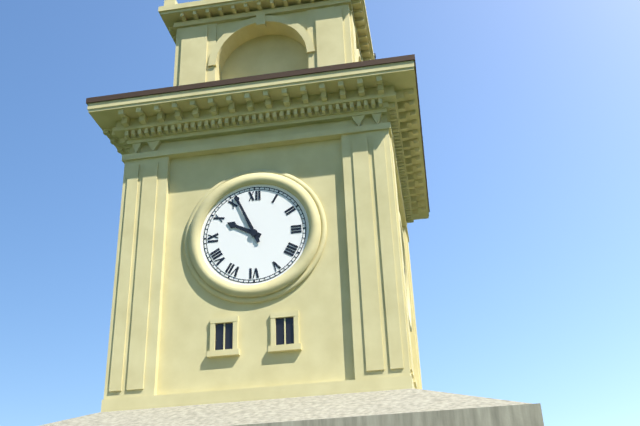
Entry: h=9 m=56
